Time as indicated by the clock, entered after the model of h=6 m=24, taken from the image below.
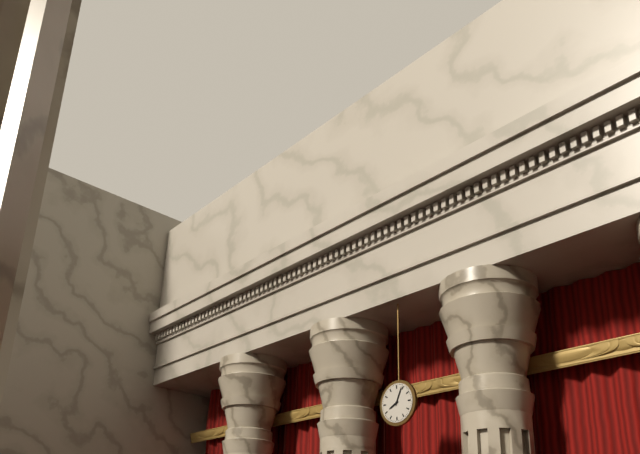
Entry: h=8 m=4
